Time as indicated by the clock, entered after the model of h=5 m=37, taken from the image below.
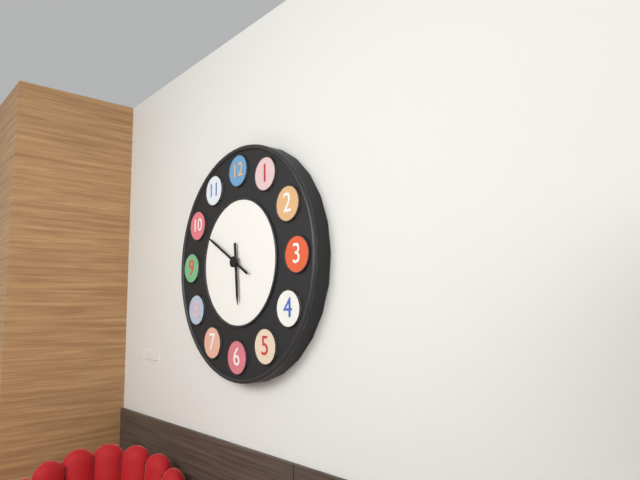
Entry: h=5 m=50
